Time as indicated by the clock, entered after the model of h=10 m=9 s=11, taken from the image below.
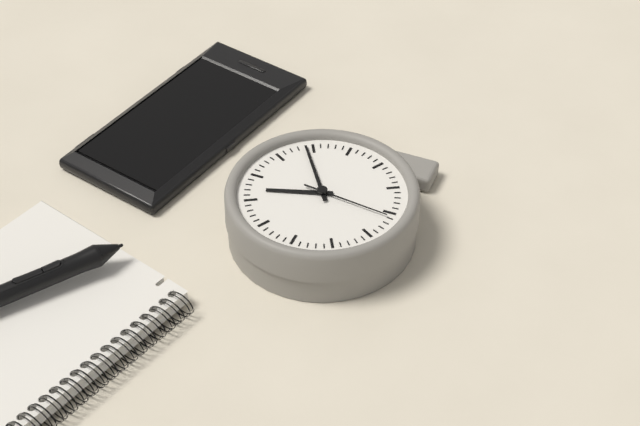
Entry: h=2 m=24 s=46
